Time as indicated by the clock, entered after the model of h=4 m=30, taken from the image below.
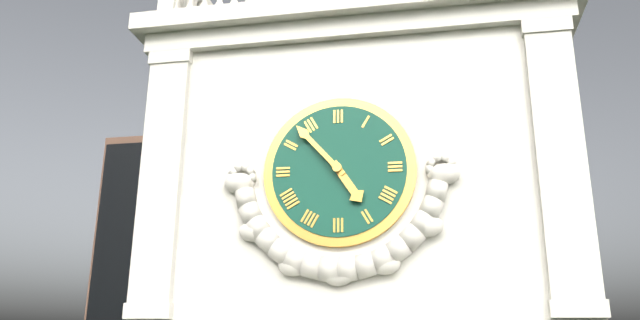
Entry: h=4 m=53
